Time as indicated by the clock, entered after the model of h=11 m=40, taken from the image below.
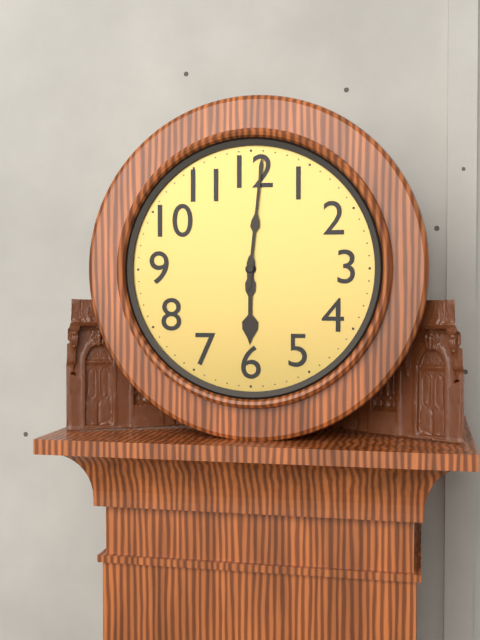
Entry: h=6 m=1
